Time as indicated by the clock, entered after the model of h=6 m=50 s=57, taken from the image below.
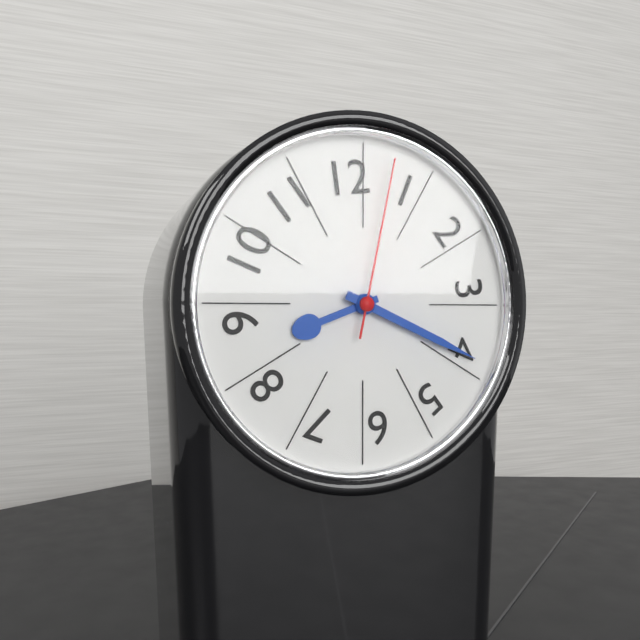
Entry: h=8 m=19 s=2
